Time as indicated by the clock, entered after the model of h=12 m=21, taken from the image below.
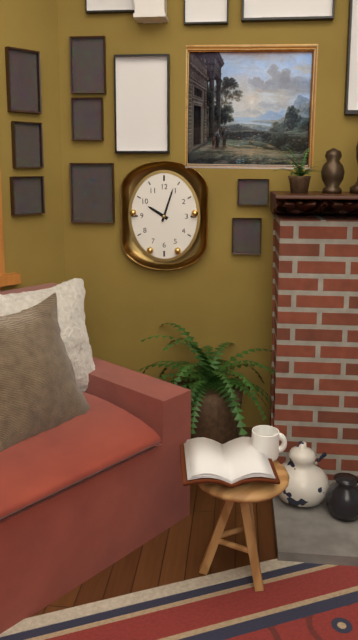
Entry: h=10 m=3
